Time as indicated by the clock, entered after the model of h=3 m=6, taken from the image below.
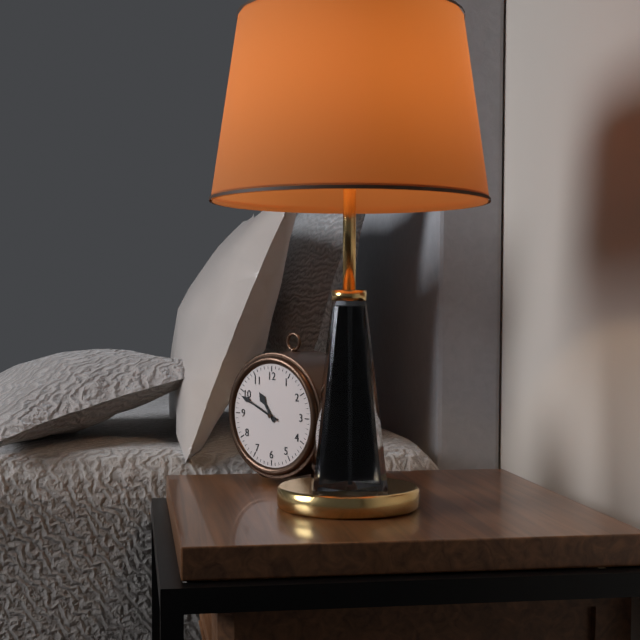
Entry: h=10 m=49
